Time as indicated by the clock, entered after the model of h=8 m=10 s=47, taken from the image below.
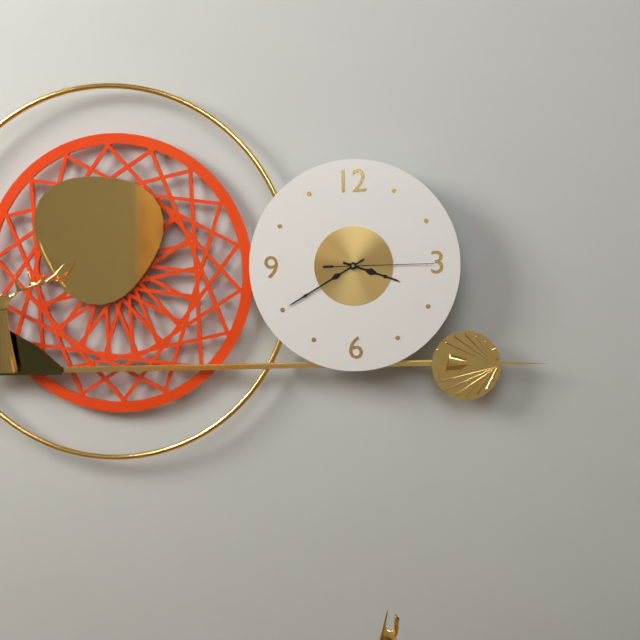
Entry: h=3 m=40 s=15
